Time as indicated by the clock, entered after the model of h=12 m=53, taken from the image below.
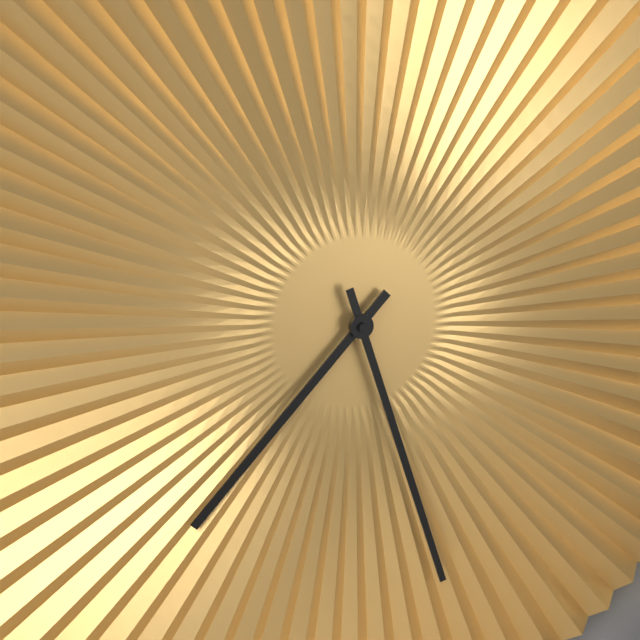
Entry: h=7 m=27
